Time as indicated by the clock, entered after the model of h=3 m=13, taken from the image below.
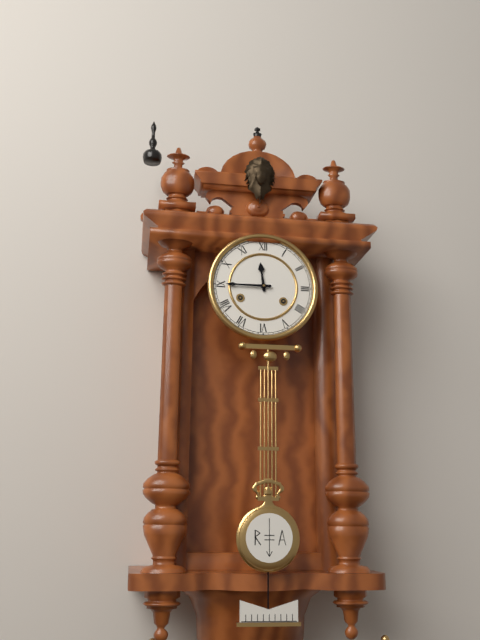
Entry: h=11 m=45
